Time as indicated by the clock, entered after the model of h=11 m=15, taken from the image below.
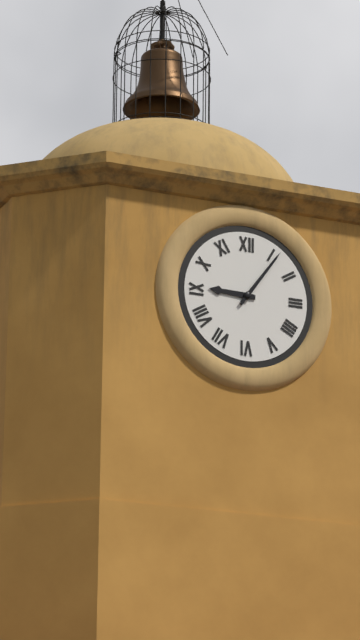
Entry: h=9 m=6
